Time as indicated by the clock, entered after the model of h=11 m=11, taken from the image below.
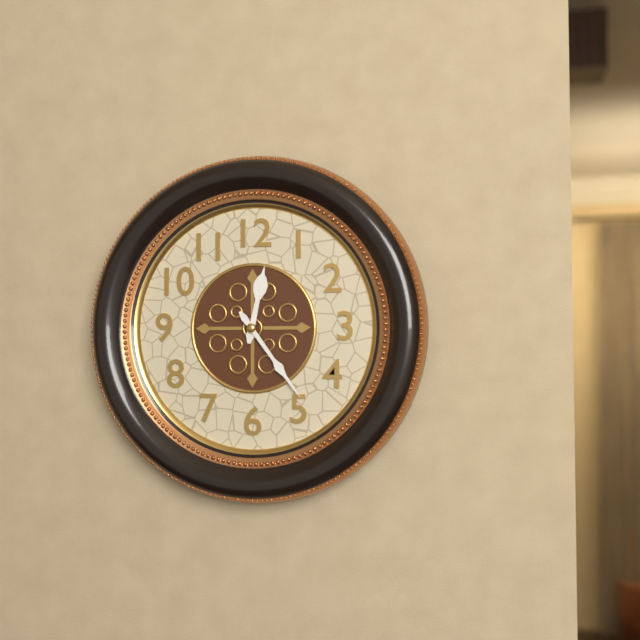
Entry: h=12 m=24
